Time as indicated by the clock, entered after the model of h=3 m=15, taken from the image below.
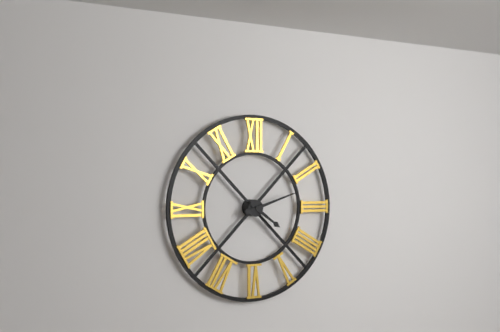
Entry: h=4 m=12
